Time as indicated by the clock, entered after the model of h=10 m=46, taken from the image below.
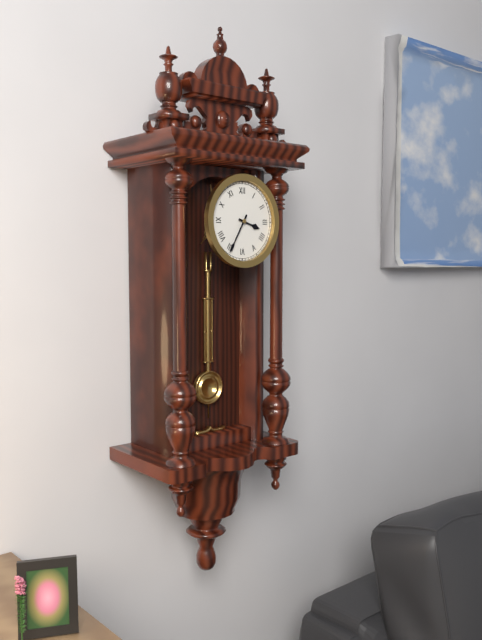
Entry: h=3 m=35
